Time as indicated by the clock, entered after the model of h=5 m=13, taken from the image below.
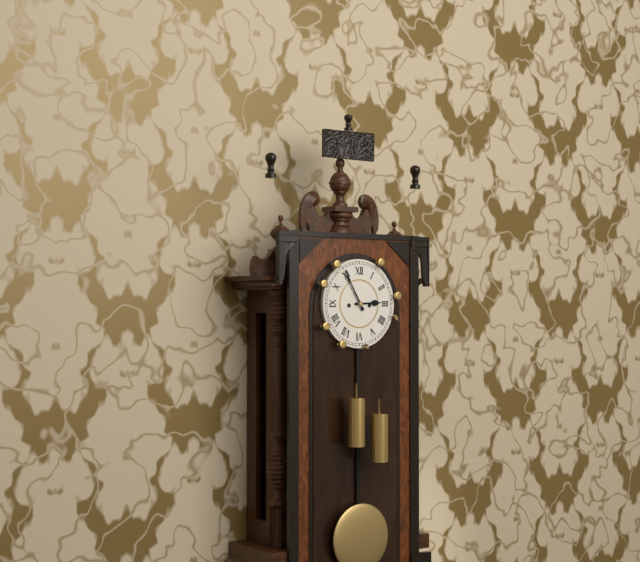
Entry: h=2 m=55
